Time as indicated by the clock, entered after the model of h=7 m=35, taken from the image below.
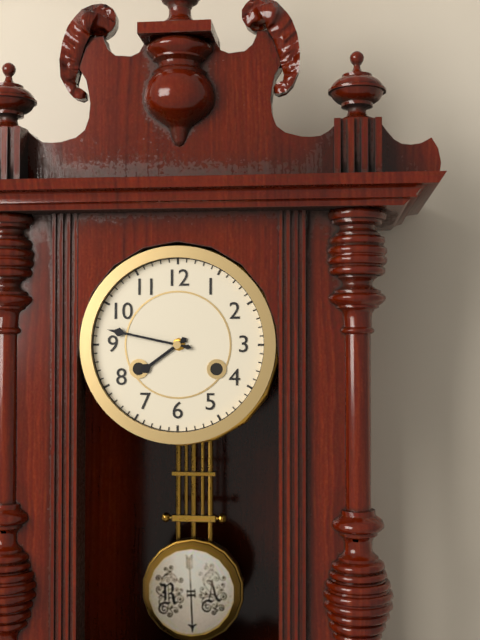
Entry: h=7 m=47
